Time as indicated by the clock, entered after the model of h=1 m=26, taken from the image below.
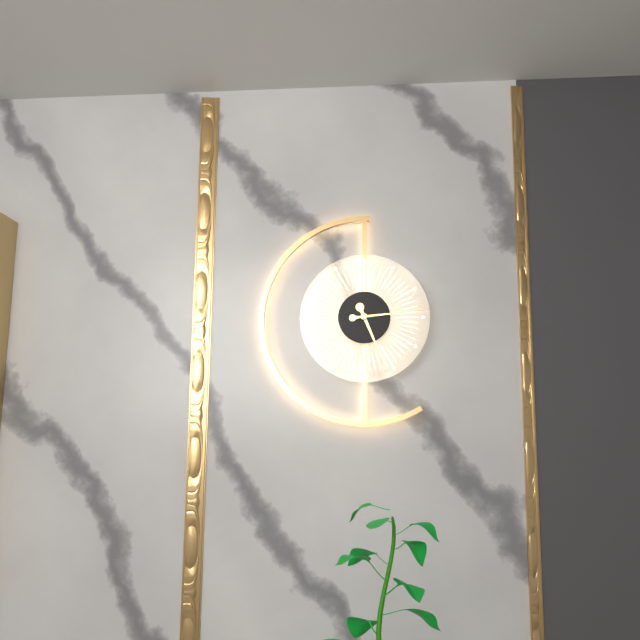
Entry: h=5 m=14
